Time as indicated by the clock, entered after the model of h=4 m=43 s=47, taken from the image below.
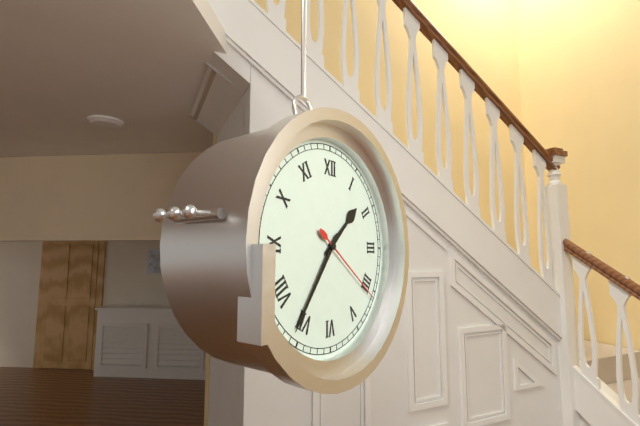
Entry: h=1 m=36 s=21
